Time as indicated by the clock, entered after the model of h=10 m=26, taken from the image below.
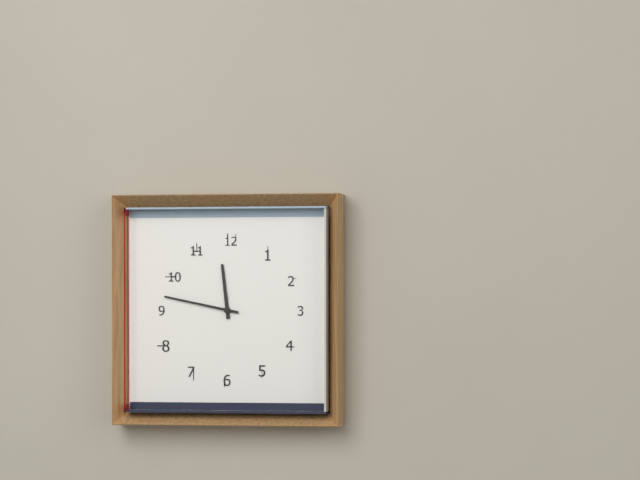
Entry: h=11 m=47
